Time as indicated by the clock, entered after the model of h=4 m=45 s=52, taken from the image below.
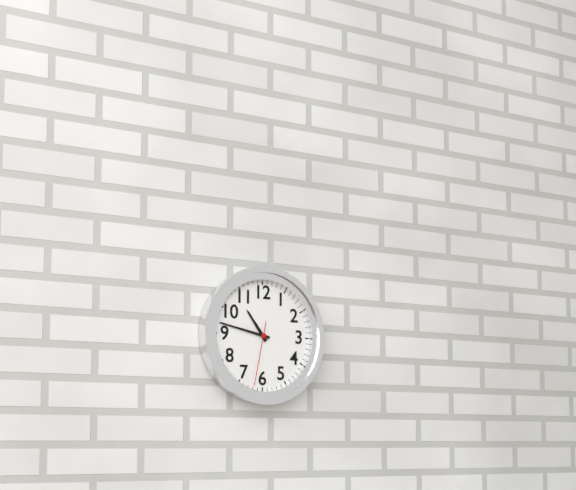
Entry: h=10 m=47 s=32
